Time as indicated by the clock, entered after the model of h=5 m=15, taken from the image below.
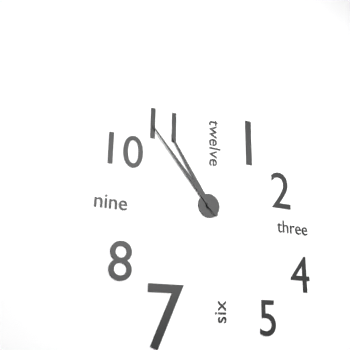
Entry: h=10 m=53
